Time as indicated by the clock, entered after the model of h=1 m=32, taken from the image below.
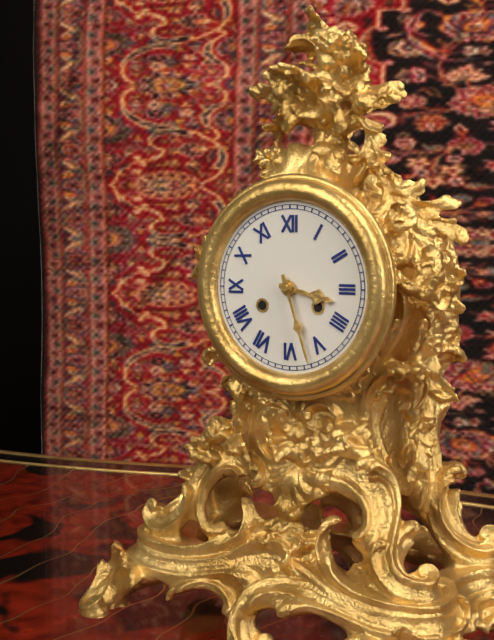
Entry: h=3 m=27
